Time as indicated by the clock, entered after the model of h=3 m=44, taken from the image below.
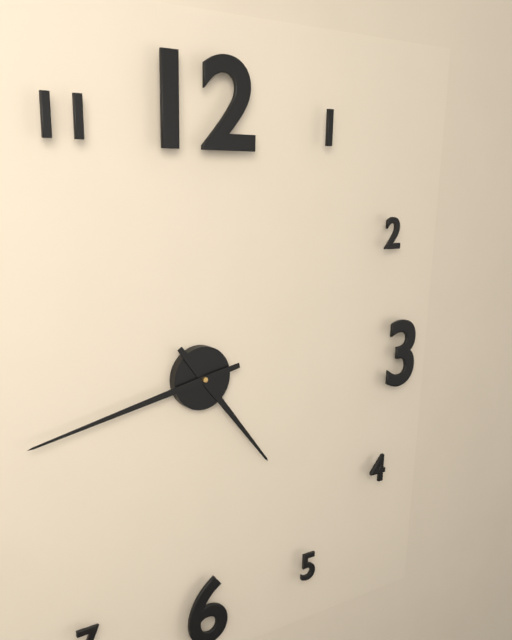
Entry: h=4 m=43
